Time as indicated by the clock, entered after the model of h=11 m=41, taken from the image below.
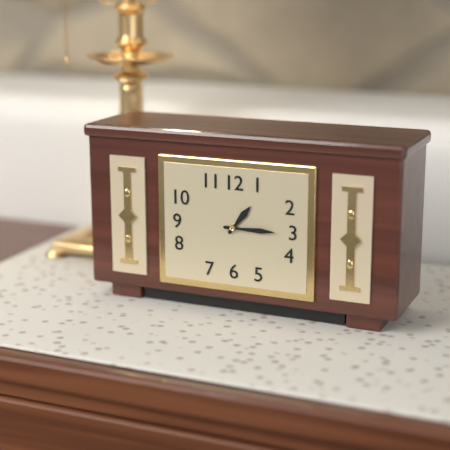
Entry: h=1 m=15
